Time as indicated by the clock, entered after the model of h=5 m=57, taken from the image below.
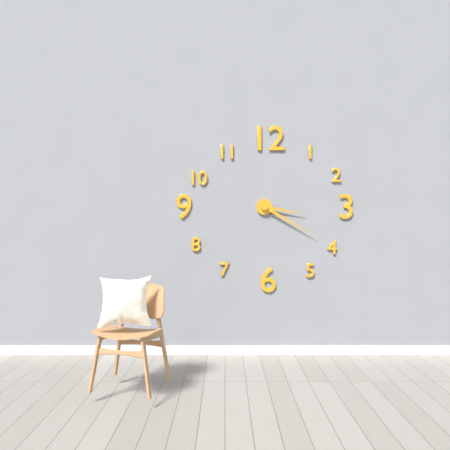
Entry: h=3 m=20
